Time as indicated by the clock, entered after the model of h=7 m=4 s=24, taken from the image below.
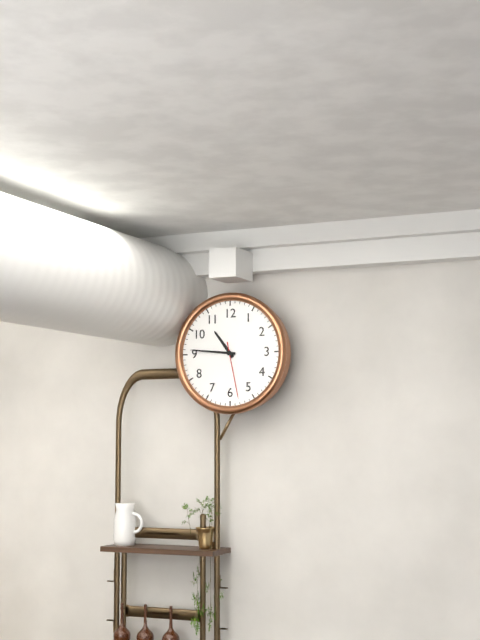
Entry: h=10 m=46 s=28
